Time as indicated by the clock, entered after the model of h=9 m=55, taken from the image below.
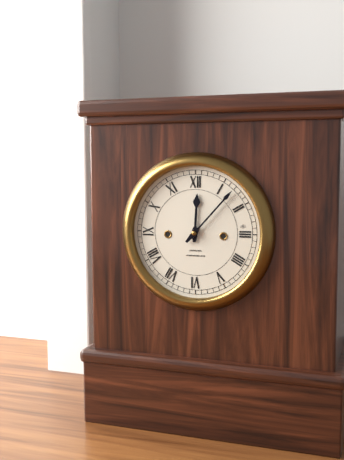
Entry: h=12 m=7
